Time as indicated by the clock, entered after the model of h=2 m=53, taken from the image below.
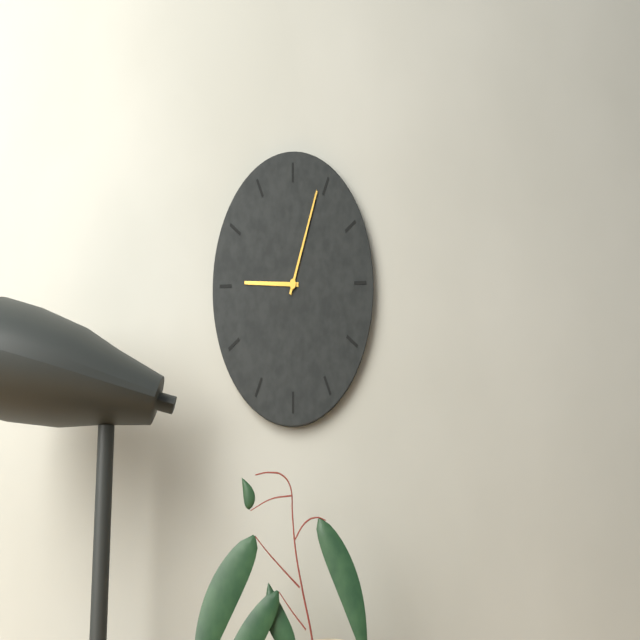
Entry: h=9 m=4
